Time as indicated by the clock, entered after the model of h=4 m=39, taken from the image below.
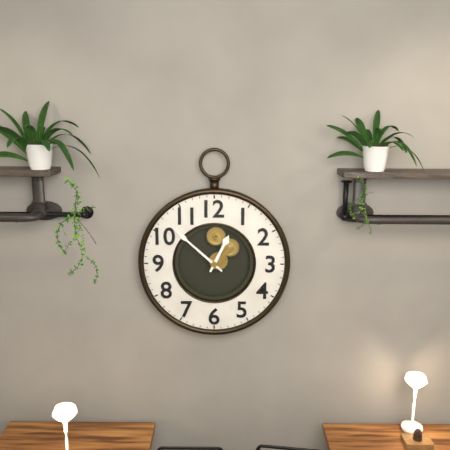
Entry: h=12 m=52
